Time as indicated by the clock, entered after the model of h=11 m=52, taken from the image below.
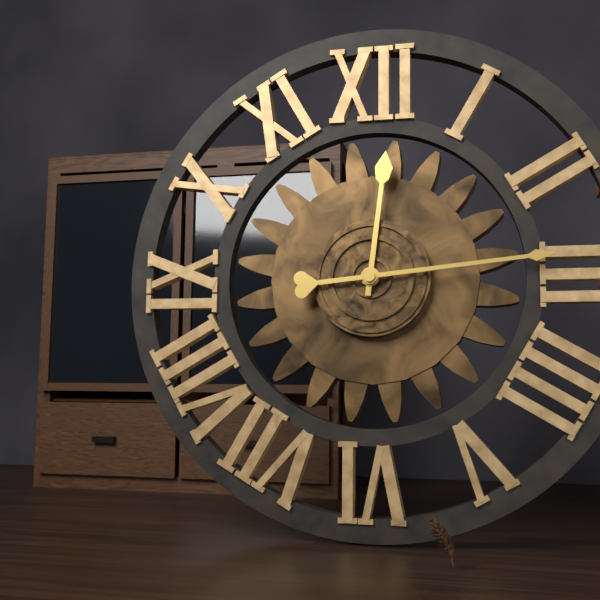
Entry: h=12 m=14
